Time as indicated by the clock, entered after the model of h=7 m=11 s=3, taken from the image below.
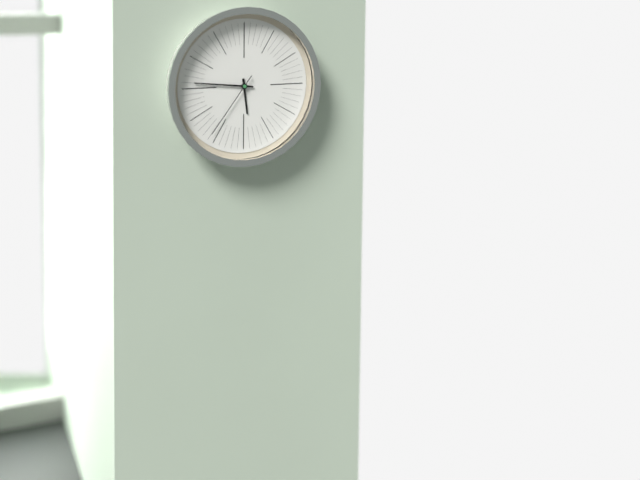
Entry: h=5 m=46 s=36
